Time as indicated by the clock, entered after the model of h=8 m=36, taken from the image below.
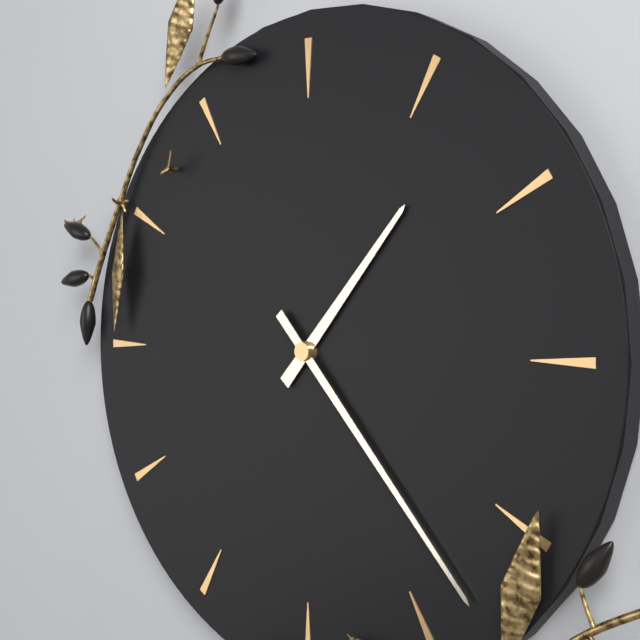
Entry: h=1 m=23
